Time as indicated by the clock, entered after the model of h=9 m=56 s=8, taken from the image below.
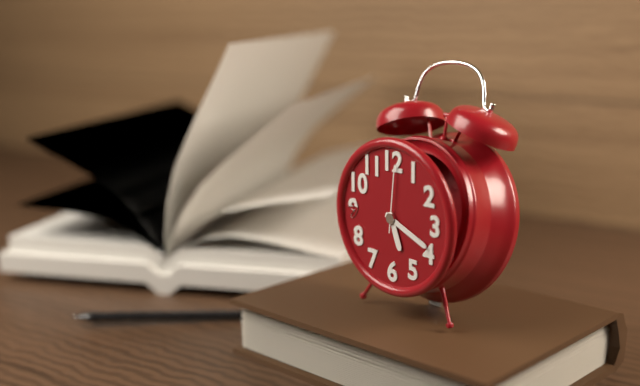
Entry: h=5 m=19 s=1
